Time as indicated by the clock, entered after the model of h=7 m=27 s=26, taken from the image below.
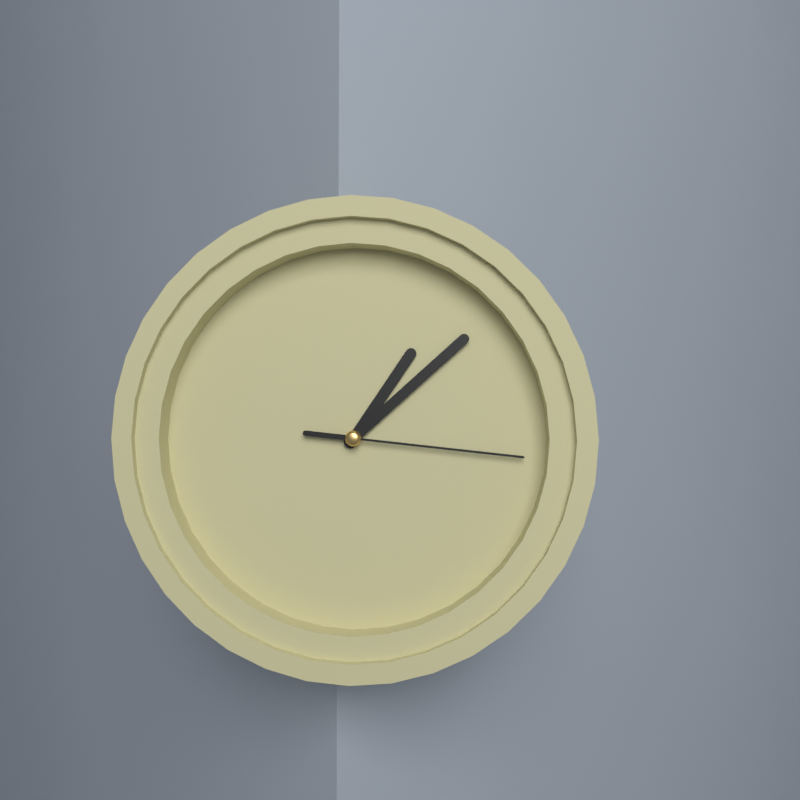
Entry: h=1 m=8 s=16
